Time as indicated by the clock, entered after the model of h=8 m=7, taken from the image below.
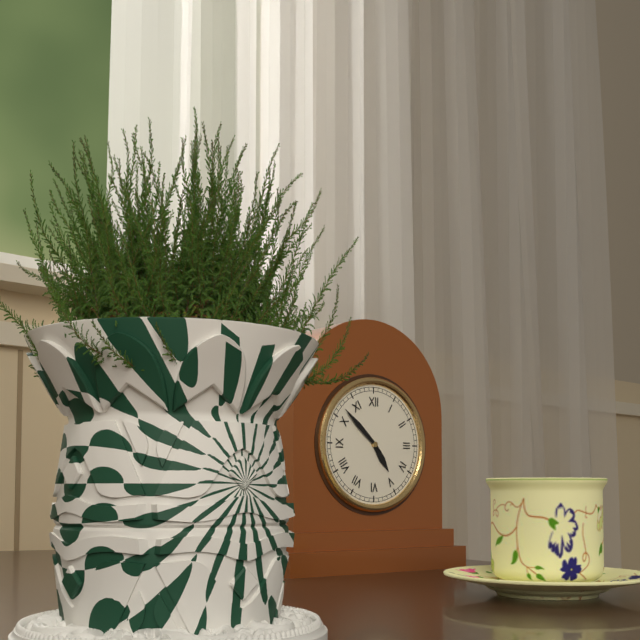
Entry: h=4 m=52
